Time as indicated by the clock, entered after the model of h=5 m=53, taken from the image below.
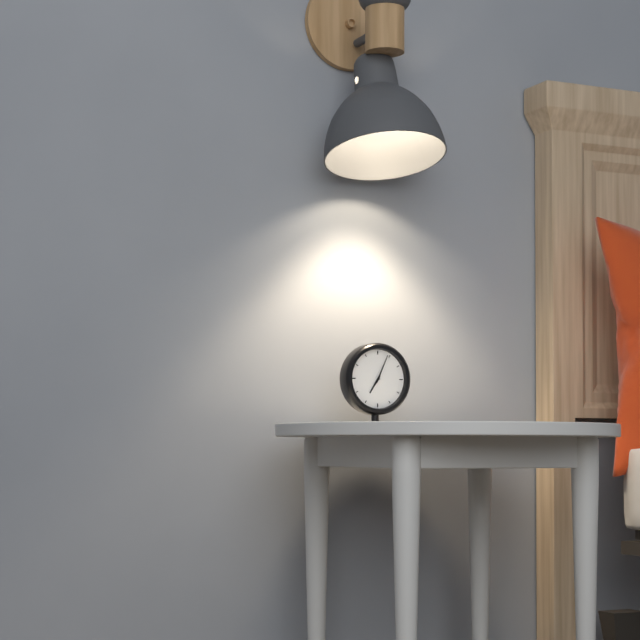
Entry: h=7 m=4
